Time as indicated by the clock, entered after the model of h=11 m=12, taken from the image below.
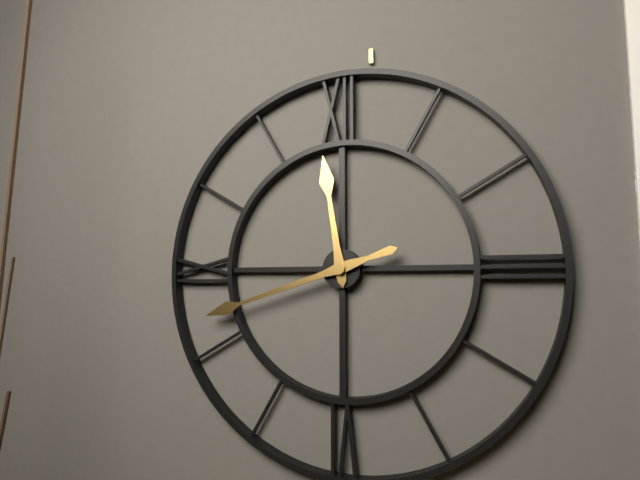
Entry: h=11 m=42
